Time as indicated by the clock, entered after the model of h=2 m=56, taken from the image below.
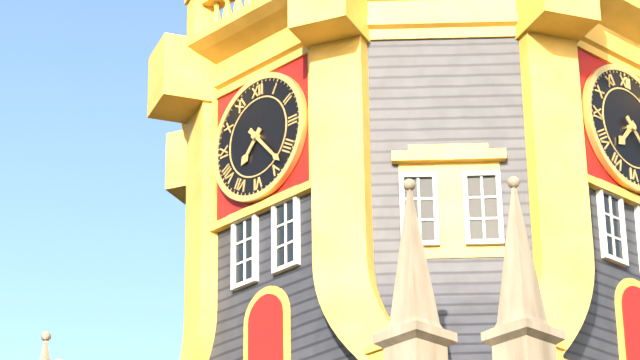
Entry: h=7 m=23
